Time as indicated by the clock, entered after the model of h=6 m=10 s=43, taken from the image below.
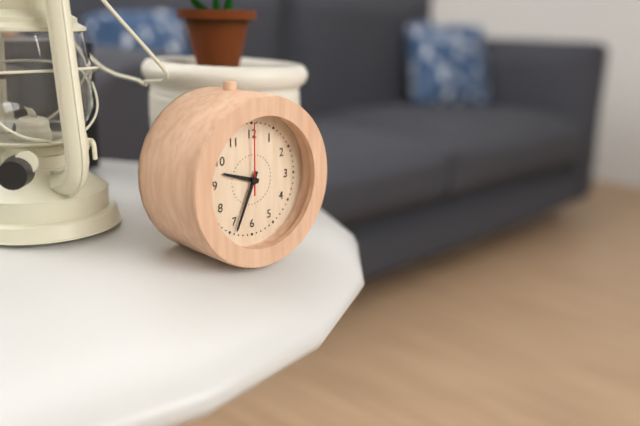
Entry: h=9 m=34 s=0
